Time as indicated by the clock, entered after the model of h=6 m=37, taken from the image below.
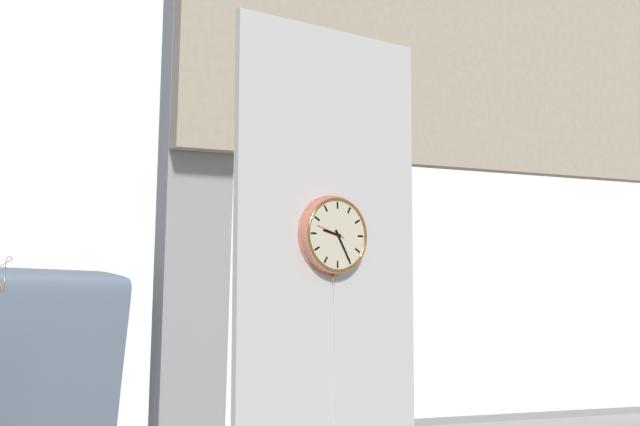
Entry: h=9 m=25
